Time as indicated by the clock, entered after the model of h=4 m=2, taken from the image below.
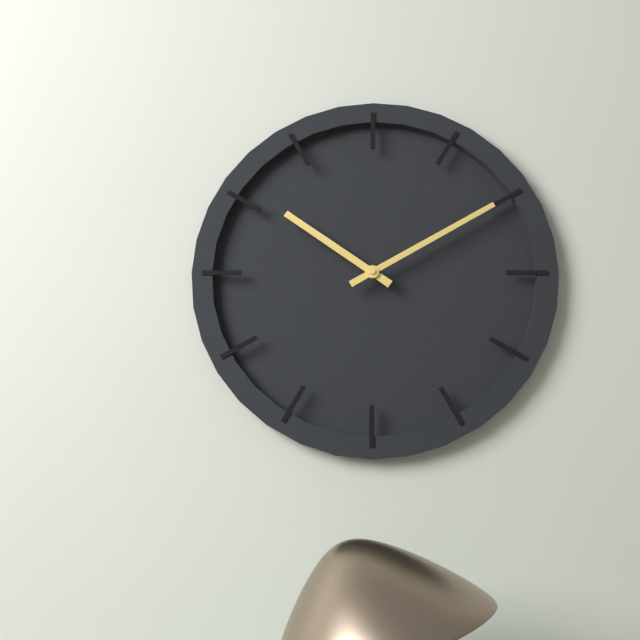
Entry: h=10 m=10
